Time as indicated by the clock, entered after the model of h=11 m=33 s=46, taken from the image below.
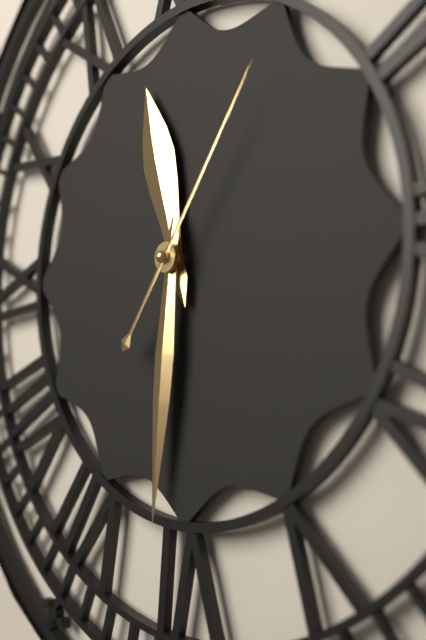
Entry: h=11 m=31 s=6
